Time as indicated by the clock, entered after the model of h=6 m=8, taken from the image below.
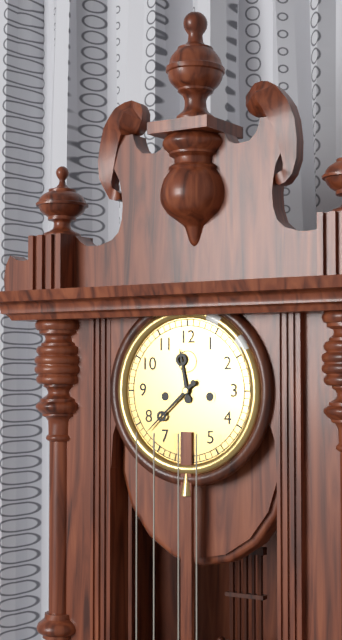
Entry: h=11 m=38
